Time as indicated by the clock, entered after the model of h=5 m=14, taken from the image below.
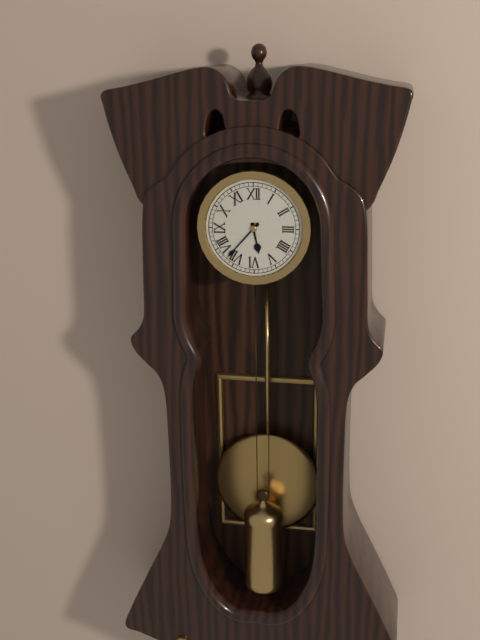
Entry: h=5 m=37
